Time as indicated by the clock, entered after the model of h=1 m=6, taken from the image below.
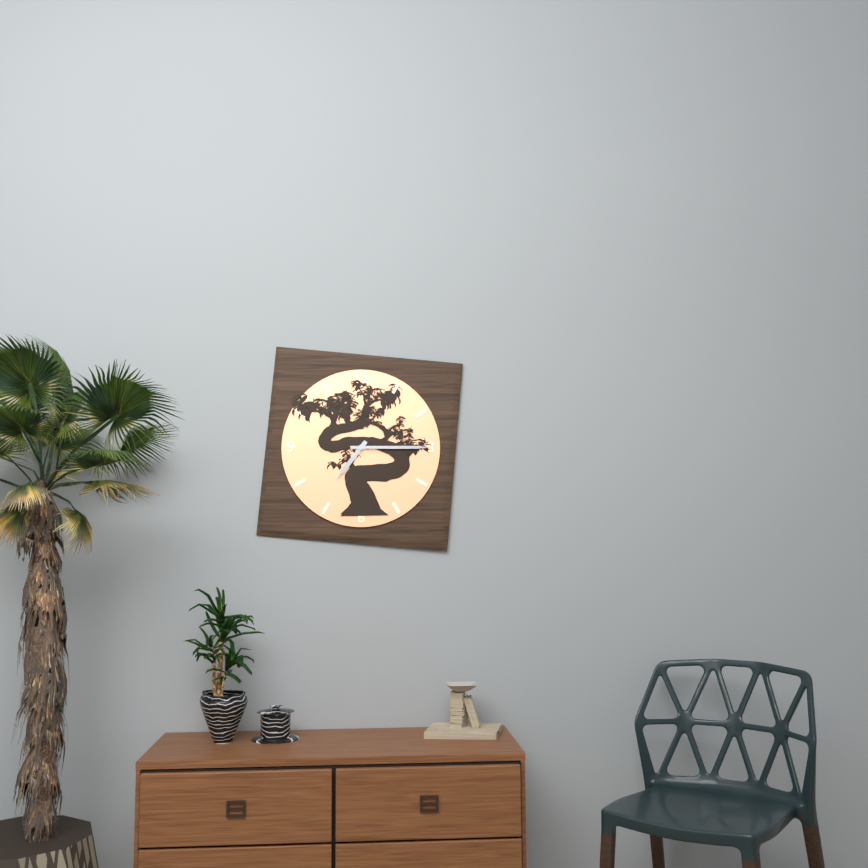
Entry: h=7 m=15
